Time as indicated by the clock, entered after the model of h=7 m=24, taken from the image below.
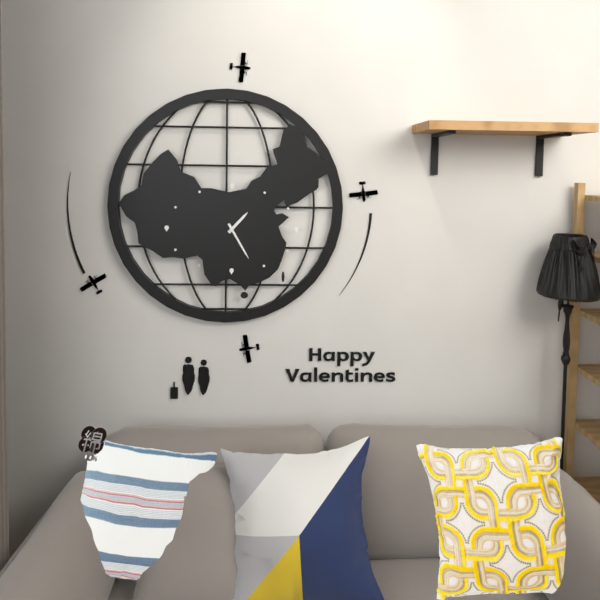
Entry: h=1 m=25
